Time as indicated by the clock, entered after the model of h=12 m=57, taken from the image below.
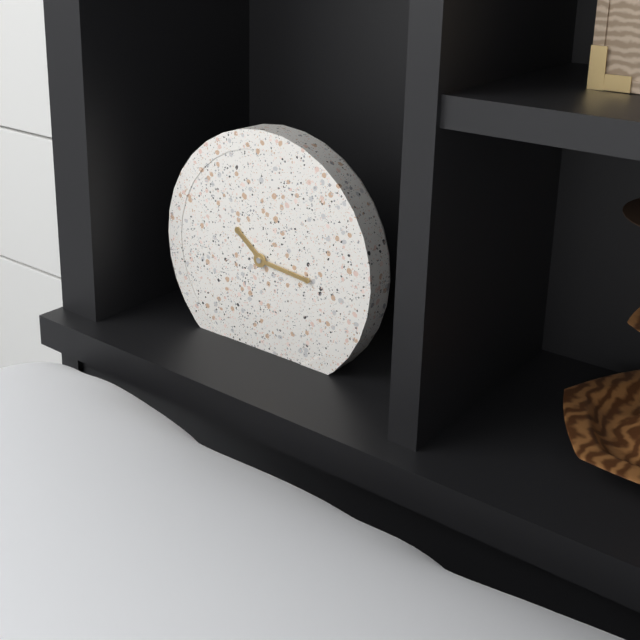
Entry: h=10 m=16
